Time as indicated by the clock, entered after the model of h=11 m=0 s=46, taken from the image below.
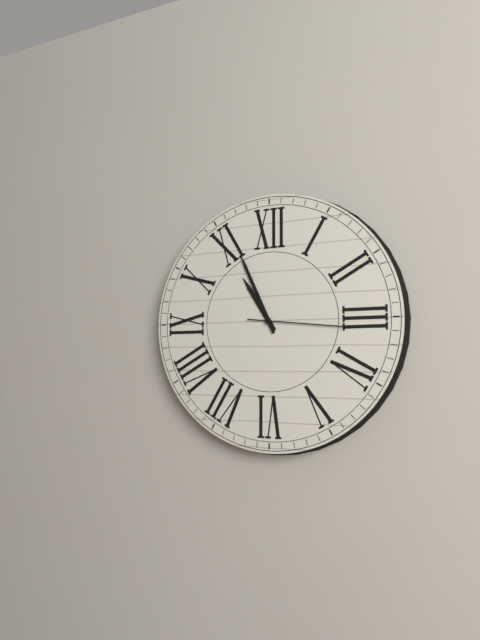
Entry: h=10 m=56 s=16
